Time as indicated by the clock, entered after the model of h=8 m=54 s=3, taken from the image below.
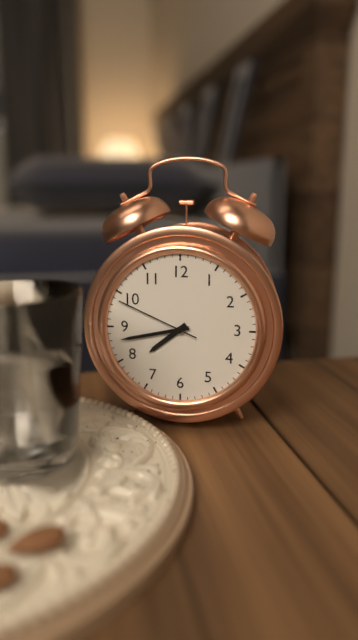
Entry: h=7 m=43 s=49
